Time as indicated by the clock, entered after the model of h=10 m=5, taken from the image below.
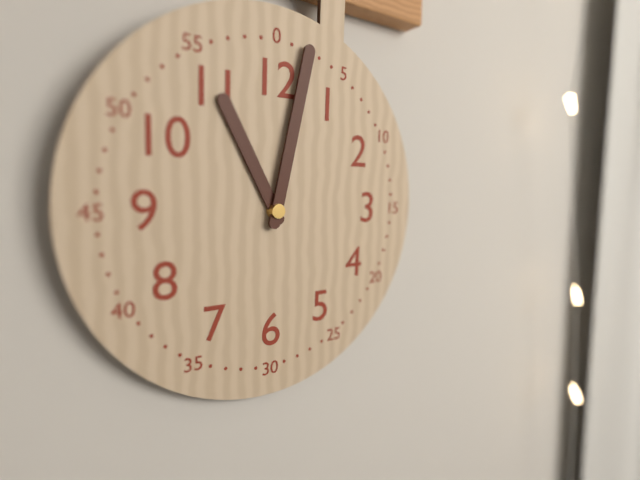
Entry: h=11 m=2
